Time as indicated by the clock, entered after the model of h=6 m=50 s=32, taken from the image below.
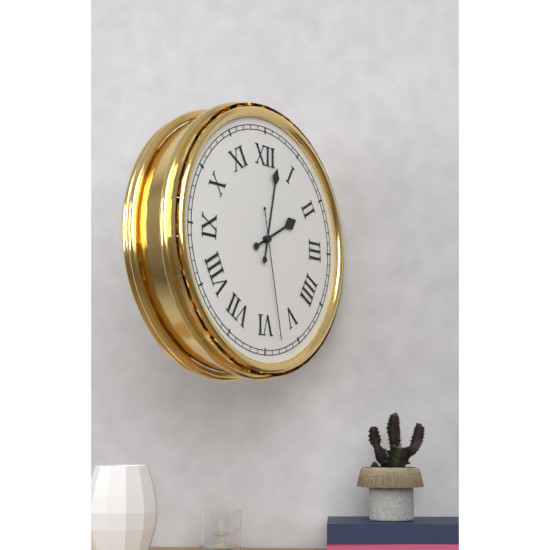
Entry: h=2 m=2 s=28
